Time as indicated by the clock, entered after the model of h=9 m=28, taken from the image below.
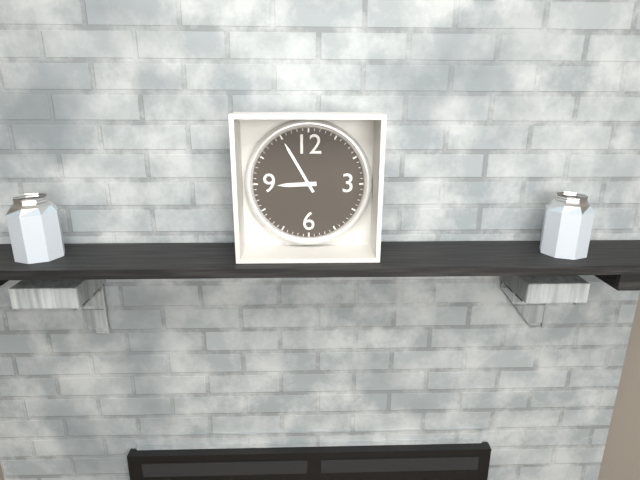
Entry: h=8 m=55
